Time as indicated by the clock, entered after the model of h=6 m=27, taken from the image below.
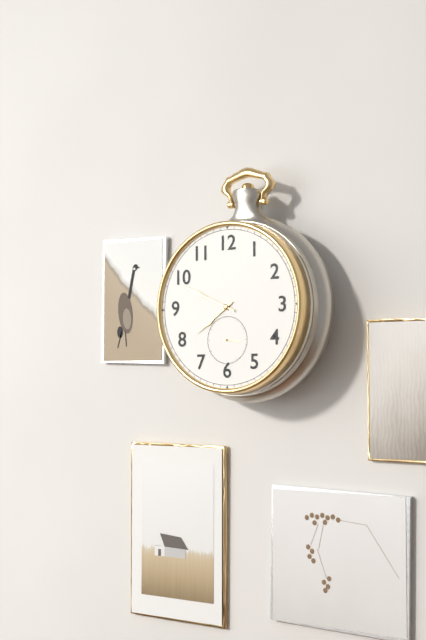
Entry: h=7 m=49
